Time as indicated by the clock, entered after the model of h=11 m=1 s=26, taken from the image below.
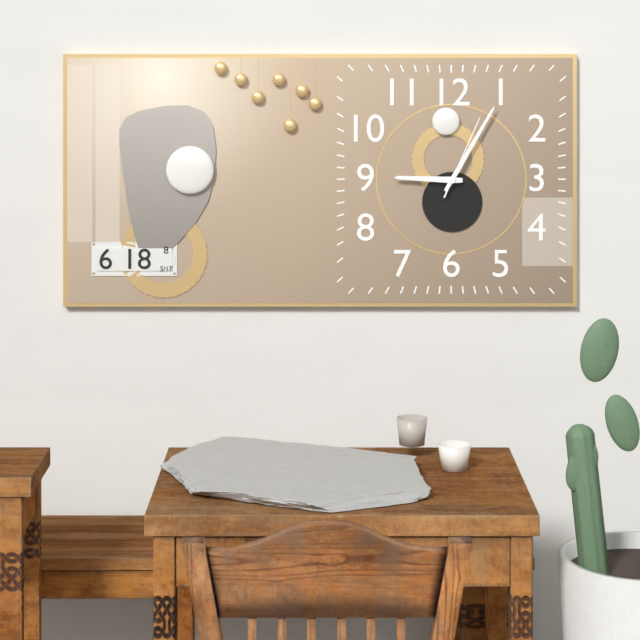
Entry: h=9 m=5 s=4
